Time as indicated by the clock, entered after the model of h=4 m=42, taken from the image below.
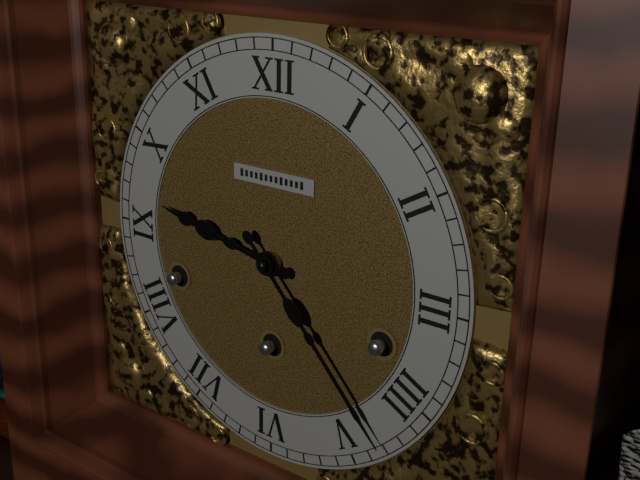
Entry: h=9 m=23
